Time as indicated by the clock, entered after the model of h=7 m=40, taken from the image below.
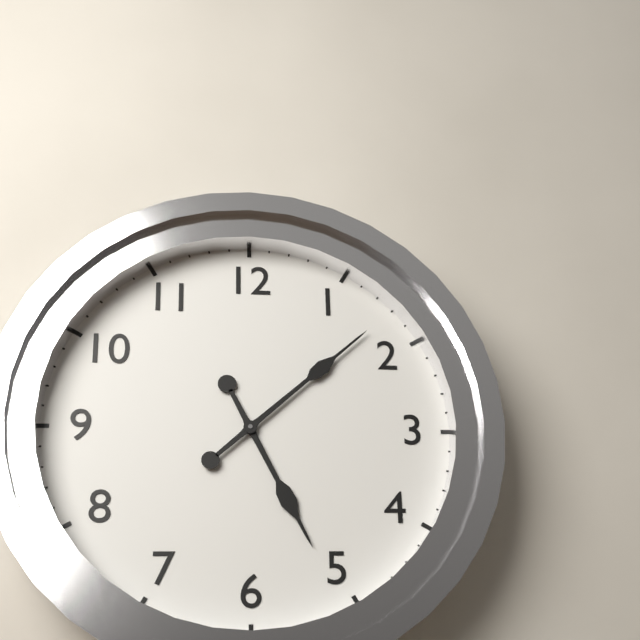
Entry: h=5 m=8
